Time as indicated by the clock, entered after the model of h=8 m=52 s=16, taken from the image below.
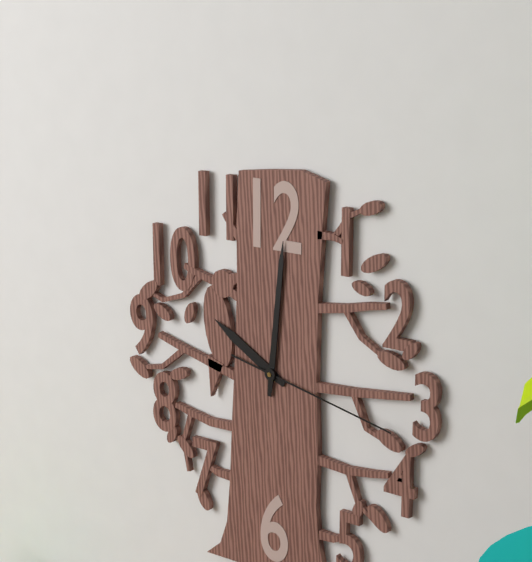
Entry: h=10 m=1 s=17
